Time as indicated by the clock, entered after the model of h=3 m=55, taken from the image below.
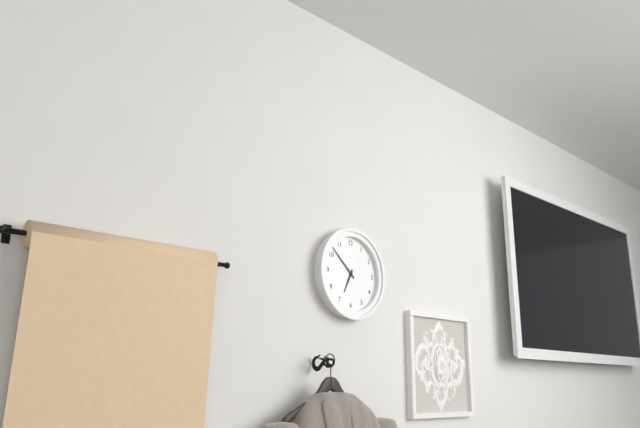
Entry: h=6 m=52
